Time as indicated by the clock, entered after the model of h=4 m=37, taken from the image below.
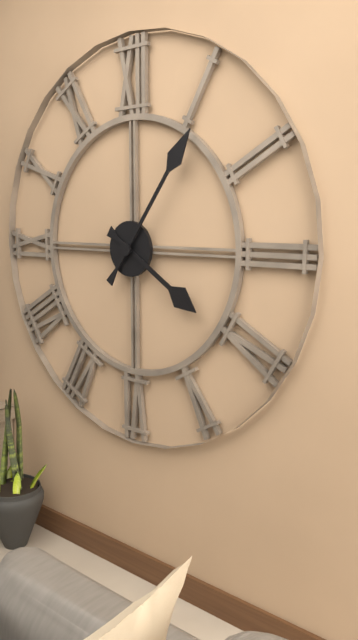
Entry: h=4 m=6
